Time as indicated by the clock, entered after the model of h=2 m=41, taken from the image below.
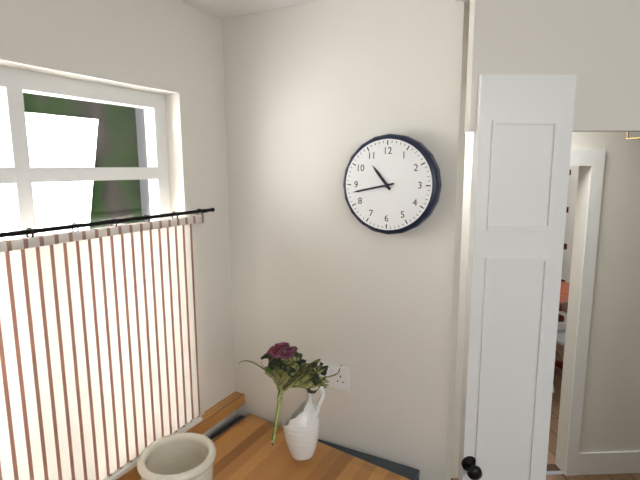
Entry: h=10 m=43
